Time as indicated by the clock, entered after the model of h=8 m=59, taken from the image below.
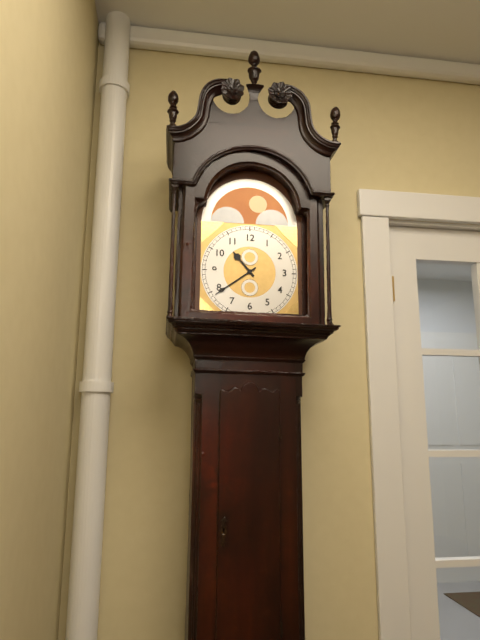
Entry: h=10 m=39
